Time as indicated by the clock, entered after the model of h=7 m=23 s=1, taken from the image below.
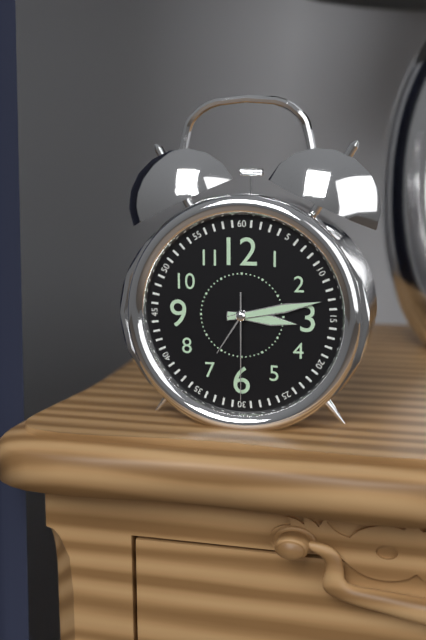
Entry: h=3 m=13 s=30
